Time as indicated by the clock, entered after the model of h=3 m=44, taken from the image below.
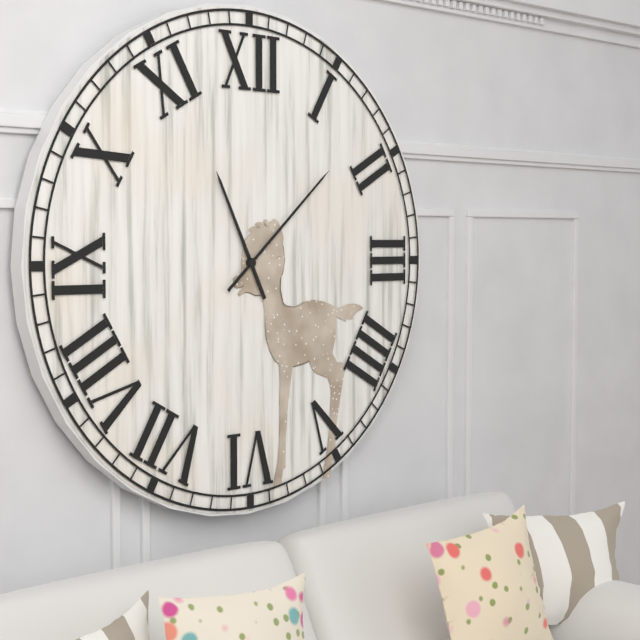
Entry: h=11 m=8
